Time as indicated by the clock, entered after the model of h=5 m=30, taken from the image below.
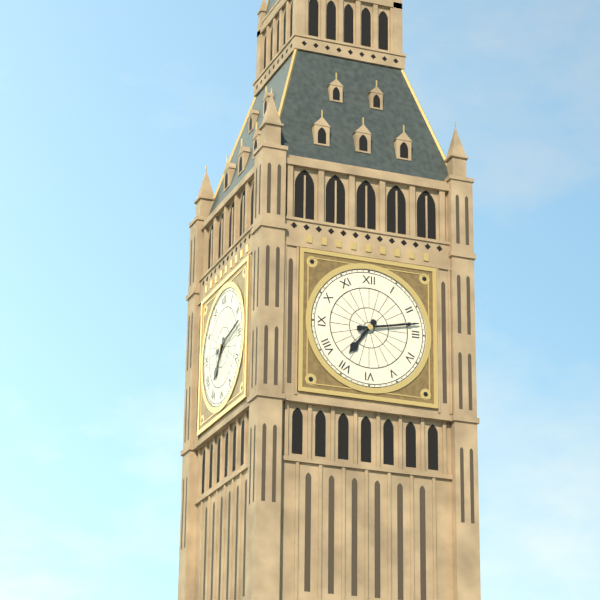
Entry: h=7 m=13
